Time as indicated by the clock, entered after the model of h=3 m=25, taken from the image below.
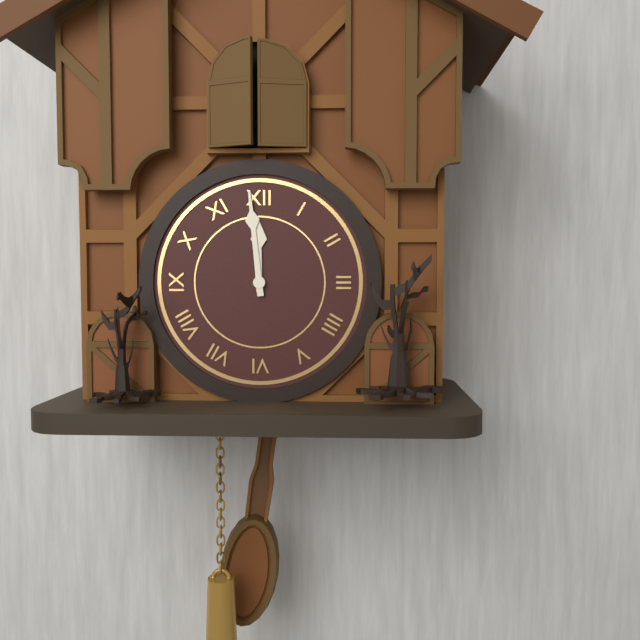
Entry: h=11 m=59
